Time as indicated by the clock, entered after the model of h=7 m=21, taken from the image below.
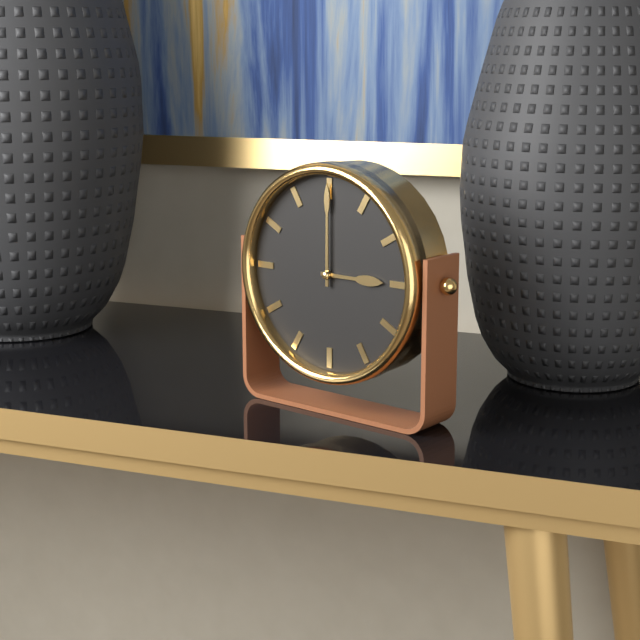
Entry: h=3 m=0
